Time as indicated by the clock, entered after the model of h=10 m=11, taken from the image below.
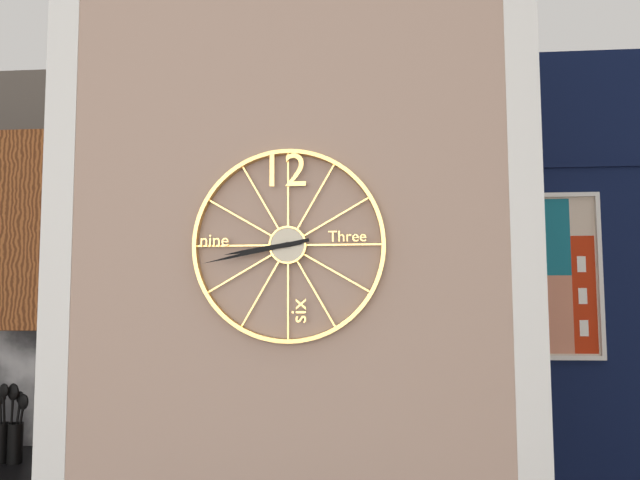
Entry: h=8 m=43
